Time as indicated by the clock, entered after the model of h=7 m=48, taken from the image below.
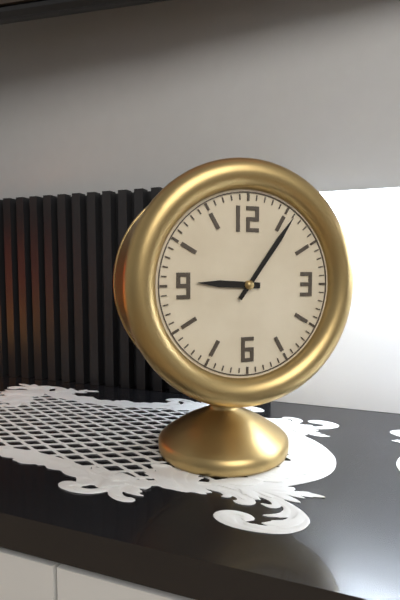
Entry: h=9 m=6
